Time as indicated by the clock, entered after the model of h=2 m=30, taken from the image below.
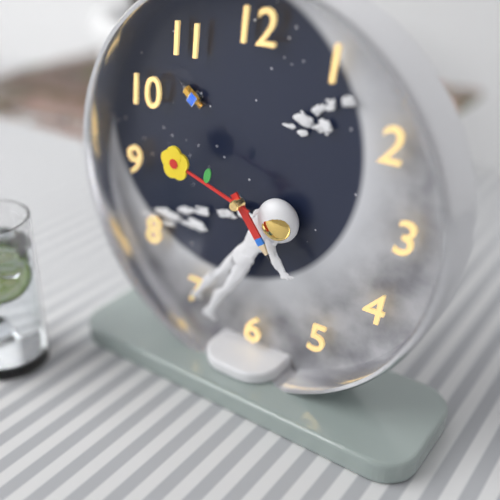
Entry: h=4 m=48
